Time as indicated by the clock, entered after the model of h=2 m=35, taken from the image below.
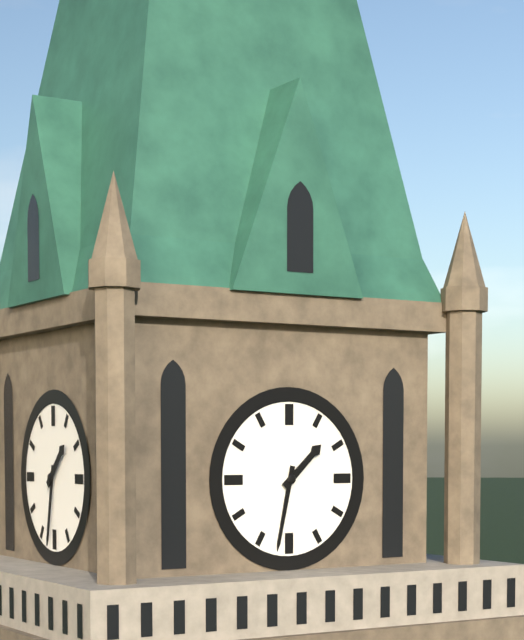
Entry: h=1 m=32
